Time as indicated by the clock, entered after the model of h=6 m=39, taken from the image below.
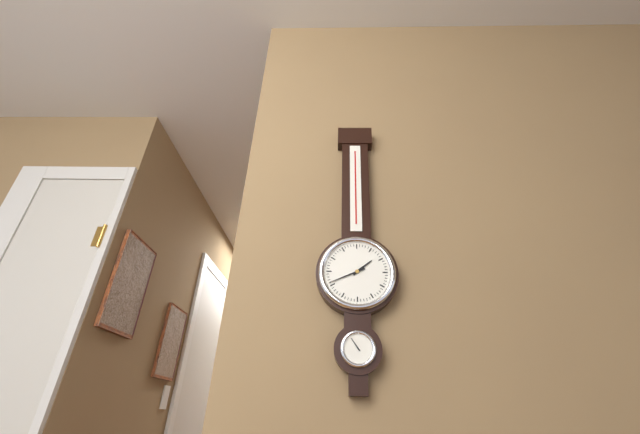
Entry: h=1 m=41
